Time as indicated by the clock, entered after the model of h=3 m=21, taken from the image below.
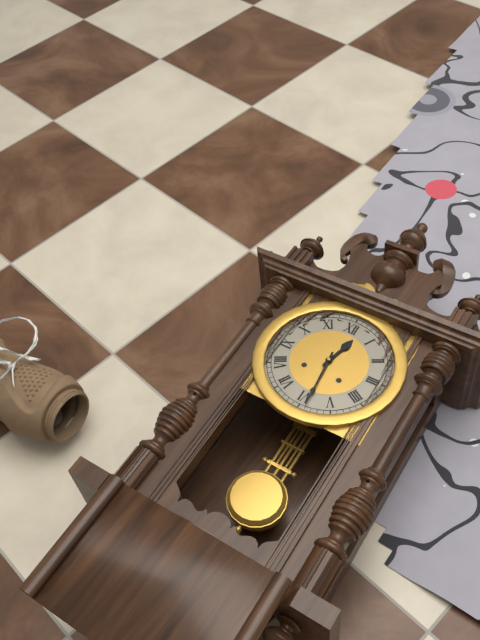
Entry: h=12 m=29
